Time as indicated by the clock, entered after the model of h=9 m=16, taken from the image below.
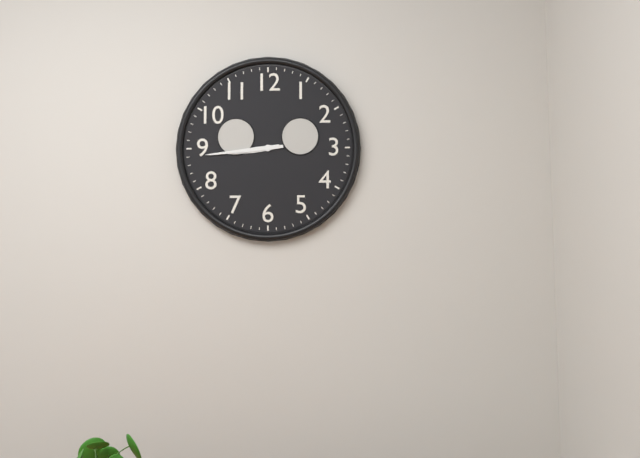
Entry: h=8 m=44
